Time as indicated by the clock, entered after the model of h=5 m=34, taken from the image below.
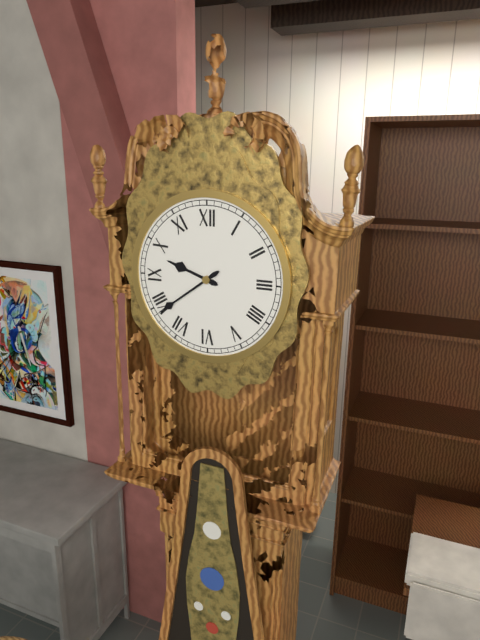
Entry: h=9 m=39
